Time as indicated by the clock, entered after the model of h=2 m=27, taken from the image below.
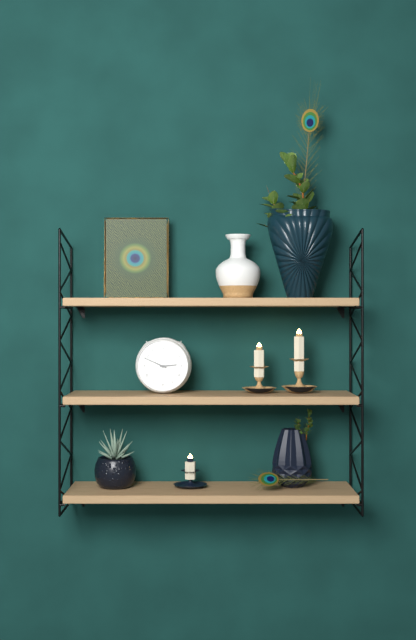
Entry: h=2 m=49
